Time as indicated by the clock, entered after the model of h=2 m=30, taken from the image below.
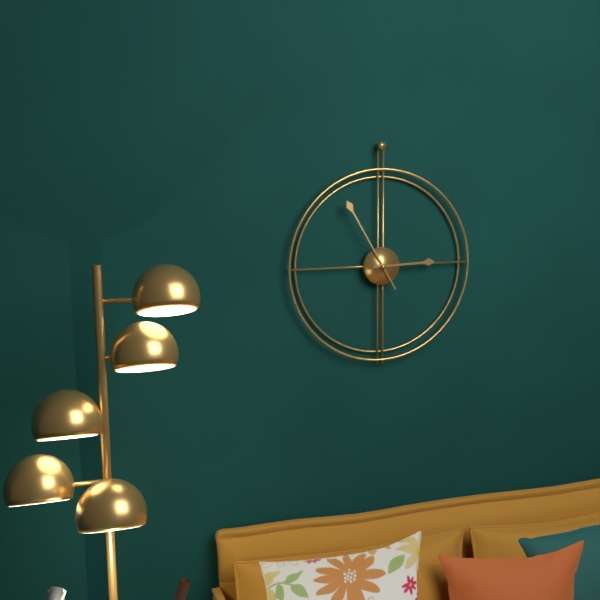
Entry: h=2 m=55
